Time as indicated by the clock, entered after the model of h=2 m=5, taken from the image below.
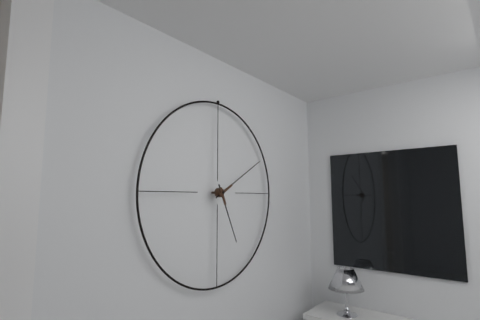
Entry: h=5 m=10
